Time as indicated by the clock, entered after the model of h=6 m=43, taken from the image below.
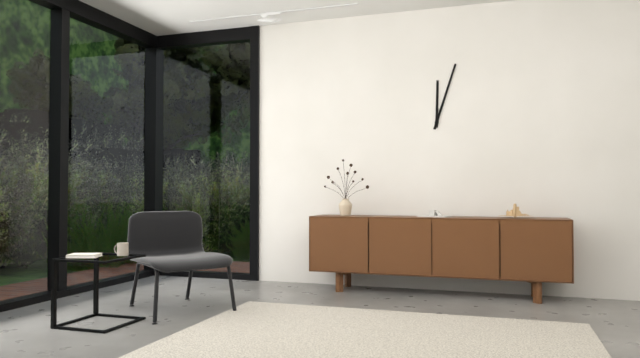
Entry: h=12 m=3
